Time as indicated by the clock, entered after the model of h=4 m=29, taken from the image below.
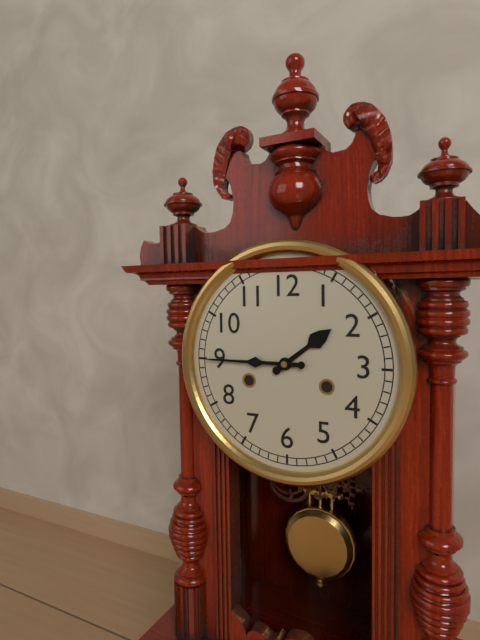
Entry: h=1 m=45
